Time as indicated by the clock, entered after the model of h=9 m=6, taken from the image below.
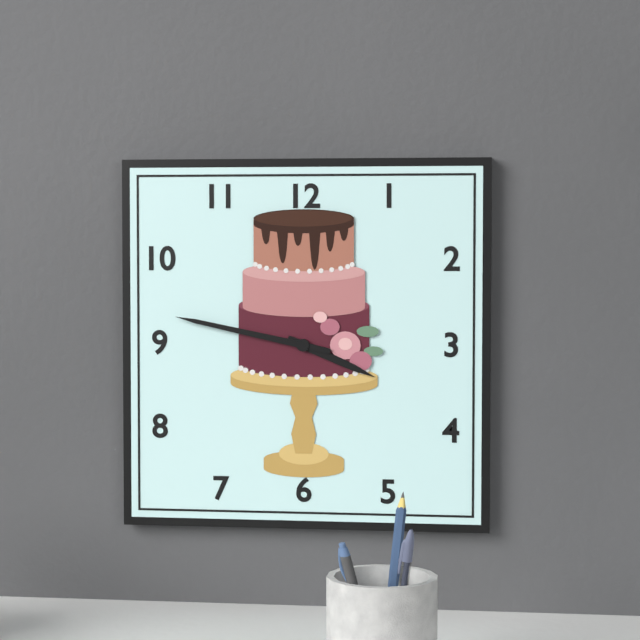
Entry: h=3 m=47
